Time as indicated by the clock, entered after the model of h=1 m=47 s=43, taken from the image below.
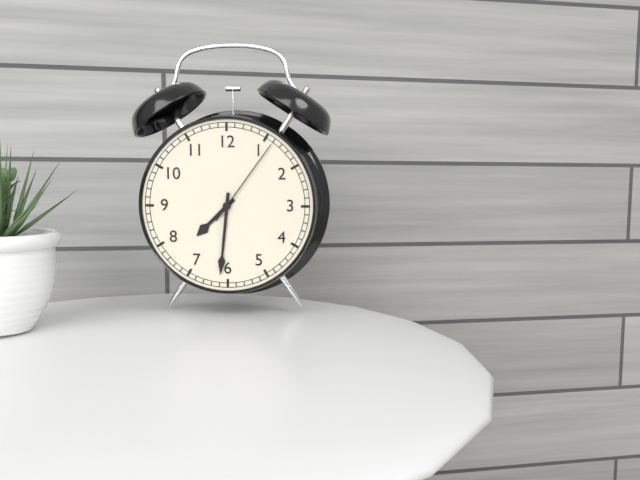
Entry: h=7 m=31 s=6
